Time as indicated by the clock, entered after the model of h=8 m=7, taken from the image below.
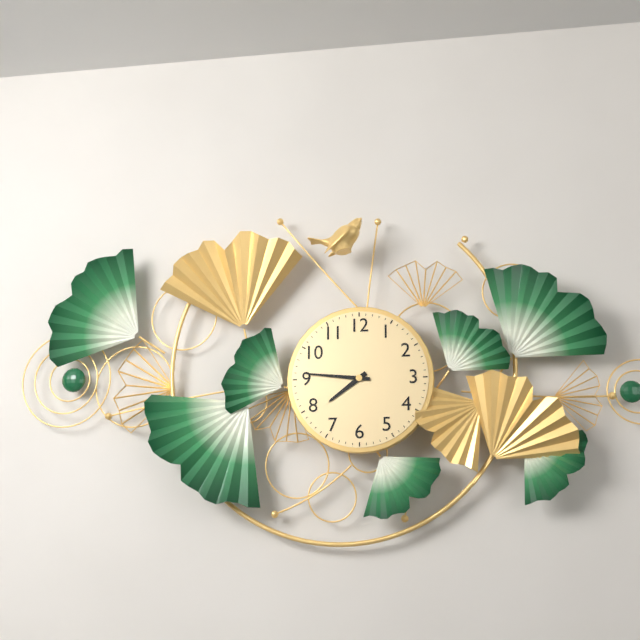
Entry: h=7 m=46
